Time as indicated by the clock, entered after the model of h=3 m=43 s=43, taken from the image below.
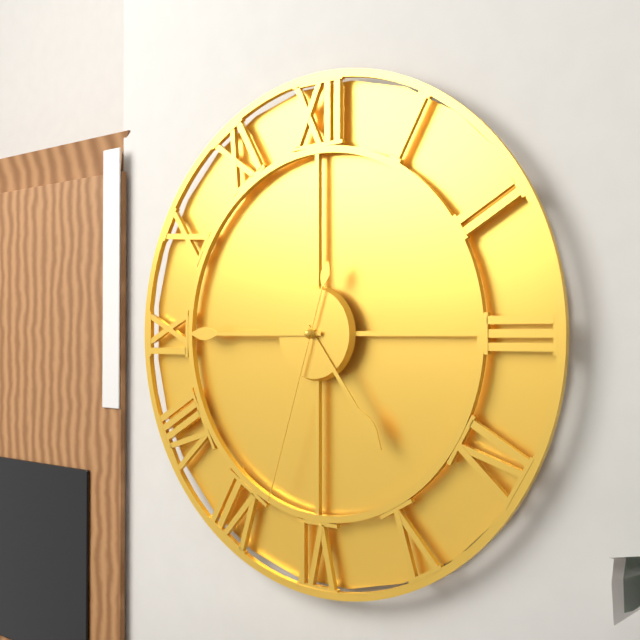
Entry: h=4 m=45 s=33
